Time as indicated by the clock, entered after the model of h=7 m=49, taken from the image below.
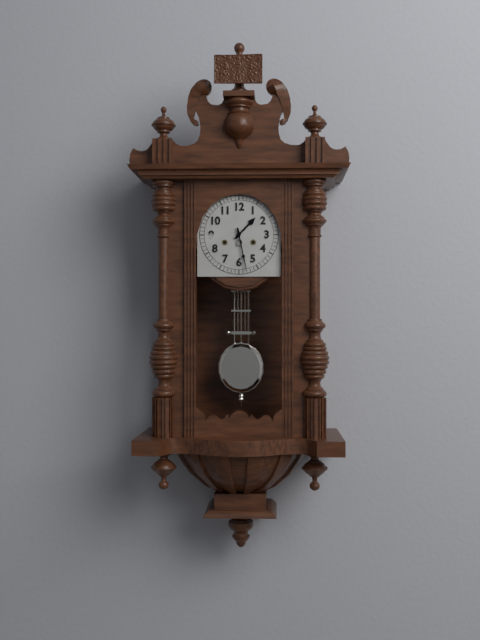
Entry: h=1 m=28
